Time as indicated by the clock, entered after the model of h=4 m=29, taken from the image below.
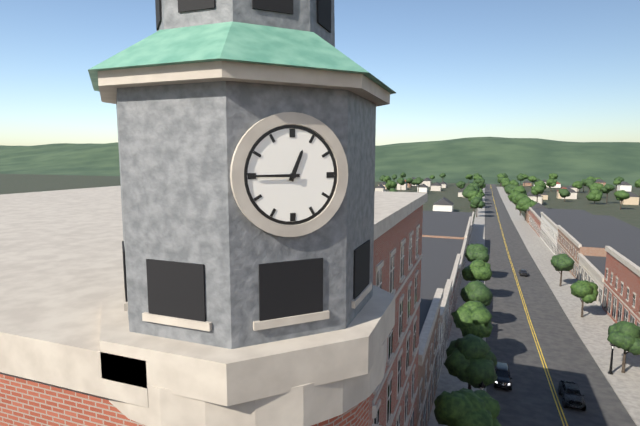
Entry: h=12 m=45
